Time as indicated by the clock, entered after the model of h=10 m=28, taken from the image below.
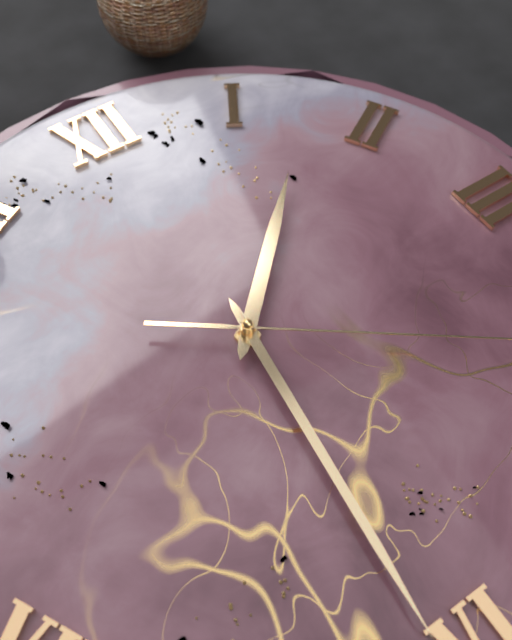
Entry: h=1 m=31
